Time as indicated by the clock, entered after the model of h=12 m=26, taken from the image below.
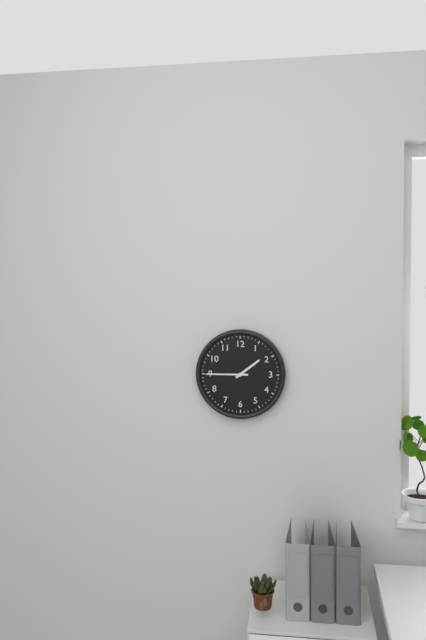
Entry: h=1 m=45
